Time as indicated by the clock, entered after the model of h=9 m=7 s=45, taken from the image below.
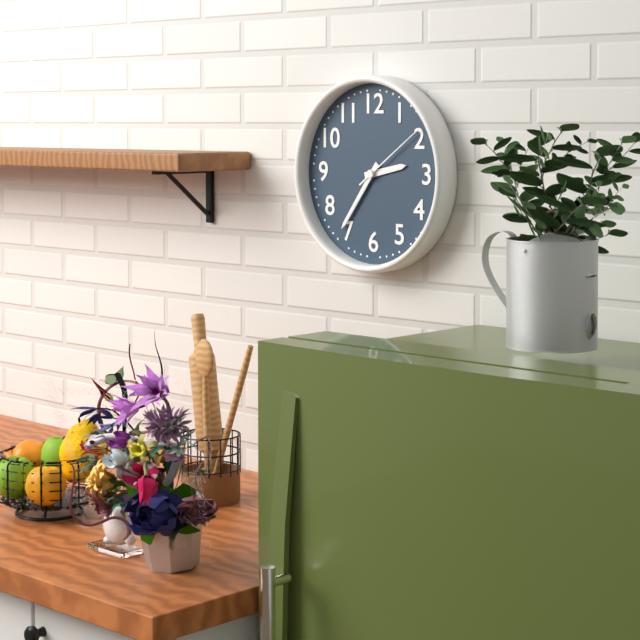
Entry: h=2 m=36 s=9
